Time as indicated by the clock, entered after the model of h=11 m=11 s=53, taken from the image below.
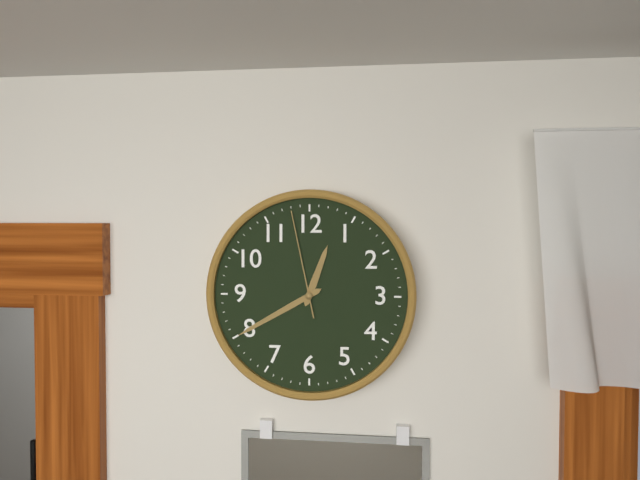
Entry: h=12 m=40 s=58
